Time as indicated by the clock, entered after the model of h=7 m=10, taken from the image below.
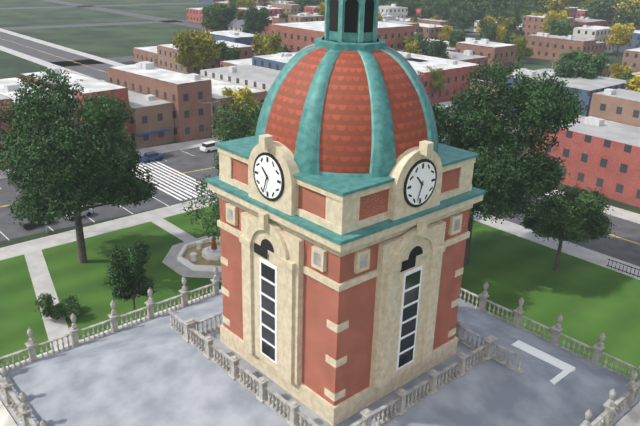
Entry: h=10 m=33
